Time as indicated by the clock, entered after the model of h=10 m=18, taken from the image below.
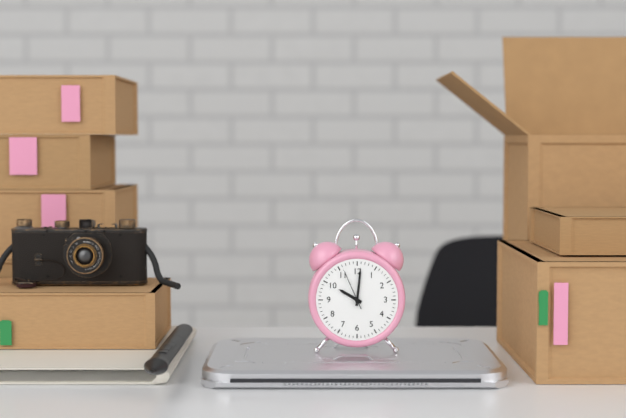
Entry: h=10 m=1
